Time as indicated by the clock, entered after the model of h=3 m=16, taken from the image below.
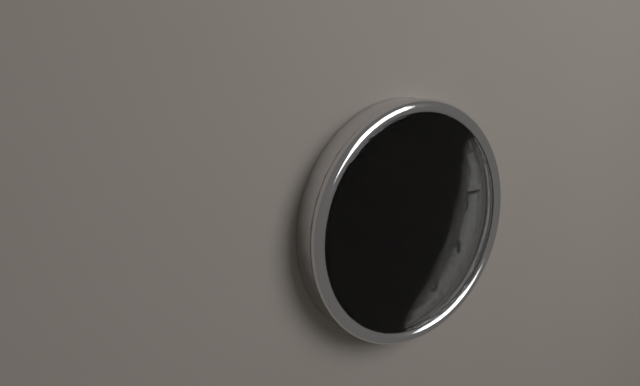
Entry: h=4 m=14
